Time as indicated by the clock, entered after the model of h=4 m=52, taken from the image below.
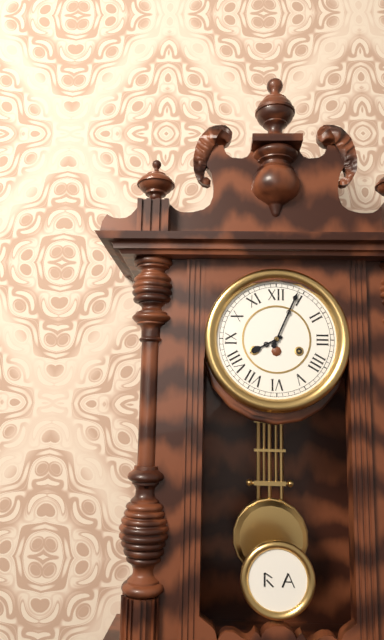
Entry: h=8 m=4
